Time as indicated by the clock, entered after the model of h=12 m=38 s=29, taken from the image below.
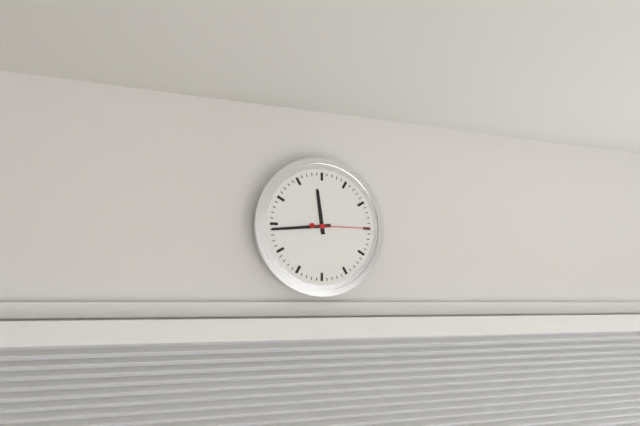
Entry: h=11 m=44 s=15
